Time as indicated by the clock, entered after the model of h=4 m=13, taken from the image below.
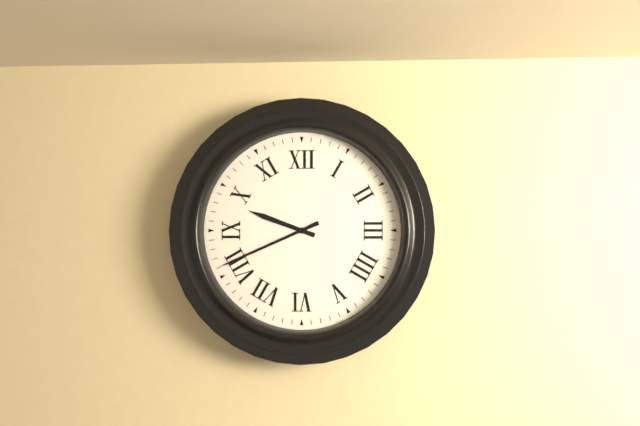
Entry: h=9 m=41
